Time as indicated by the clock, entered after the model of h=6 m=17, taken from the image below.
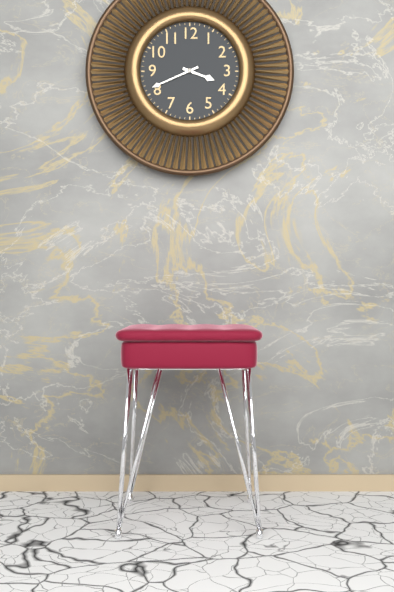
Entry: h=3 m=41
